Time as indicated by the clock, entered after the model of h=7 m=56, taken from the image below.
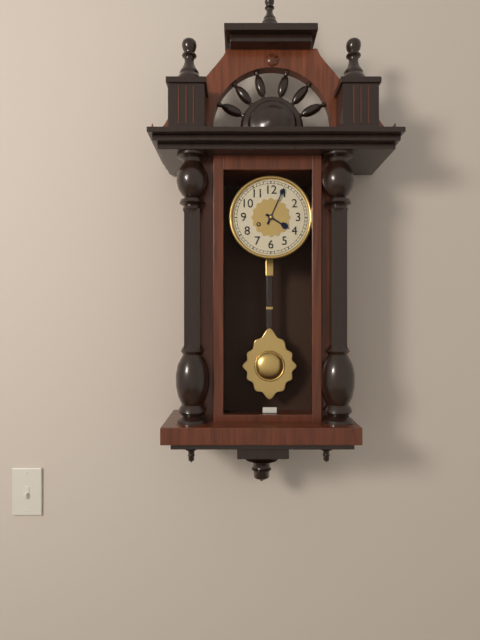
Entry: h=4 m=4
